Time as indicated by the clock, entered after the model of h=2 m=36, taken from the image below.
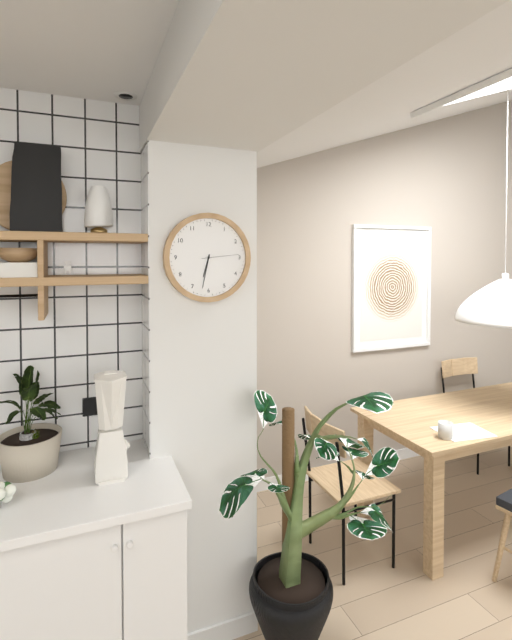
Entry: h=6 m=32
